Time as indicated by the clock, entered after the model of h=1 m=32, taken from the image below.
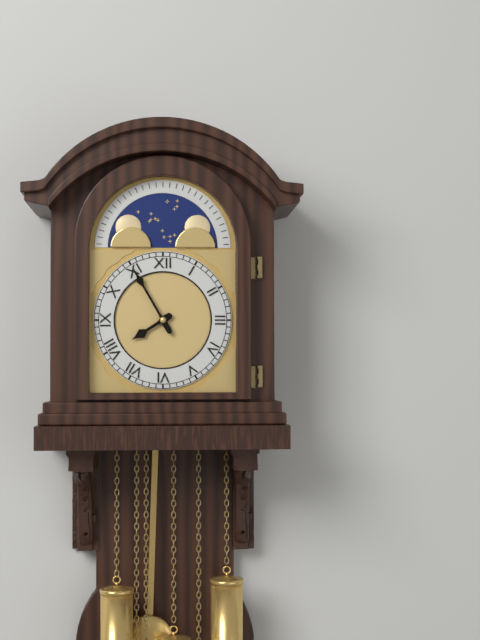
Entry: h=7 m=55
